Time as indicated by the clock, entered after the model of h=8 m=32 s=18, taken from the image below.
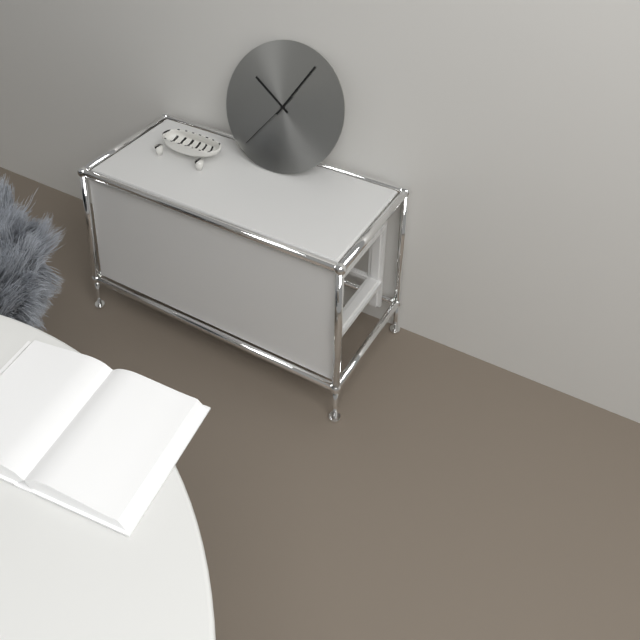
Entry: h=10 m=5 s=36
